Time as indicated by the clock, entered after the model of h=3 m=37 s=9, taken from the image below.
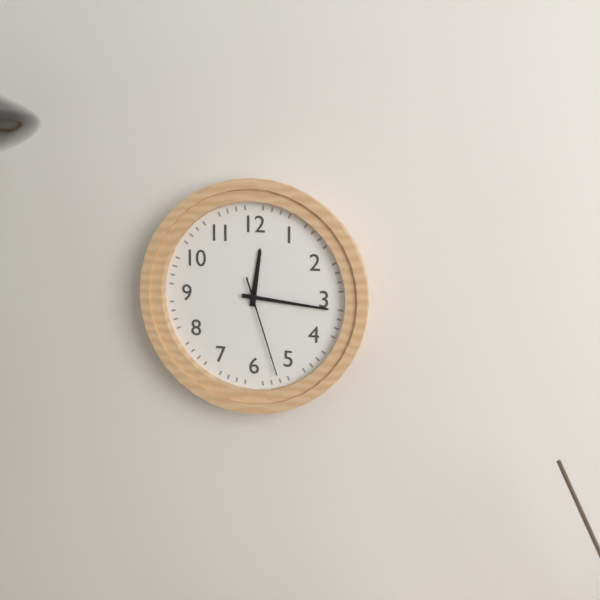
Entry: h=12 m=16 s=27
